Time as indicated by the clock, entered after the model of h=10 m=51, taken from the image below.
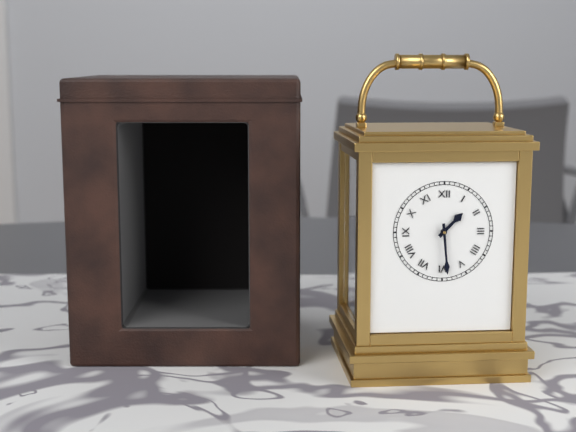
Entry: h=1 m=29
